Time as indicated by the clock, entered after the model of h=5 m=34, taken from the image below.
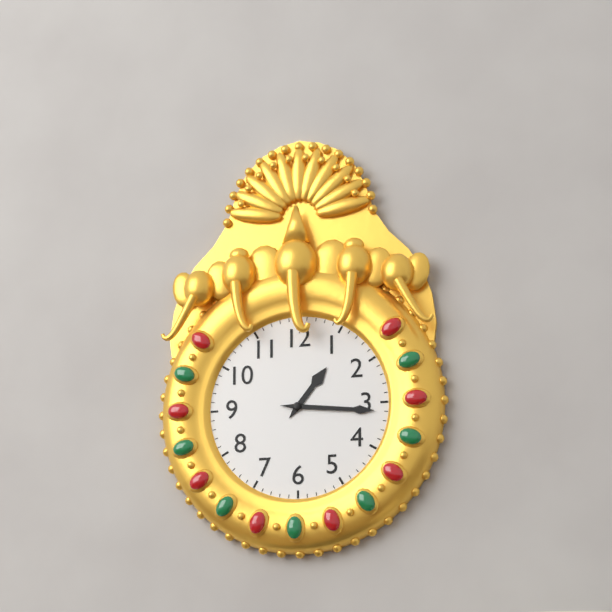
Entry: h=1 m=16
